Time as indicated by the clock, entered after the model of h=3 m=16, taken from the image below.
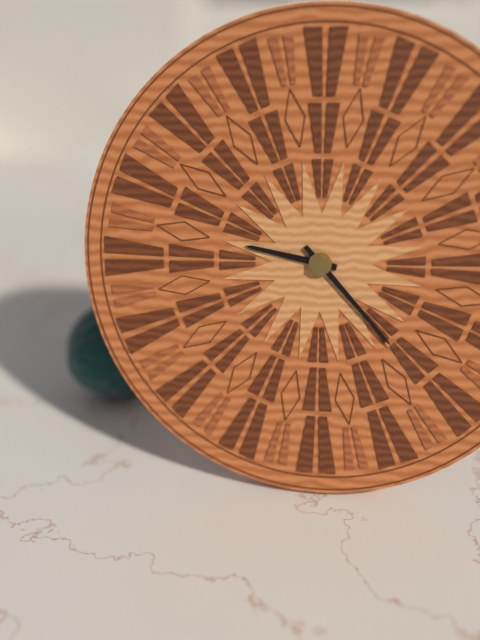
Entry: h=9 m=23
